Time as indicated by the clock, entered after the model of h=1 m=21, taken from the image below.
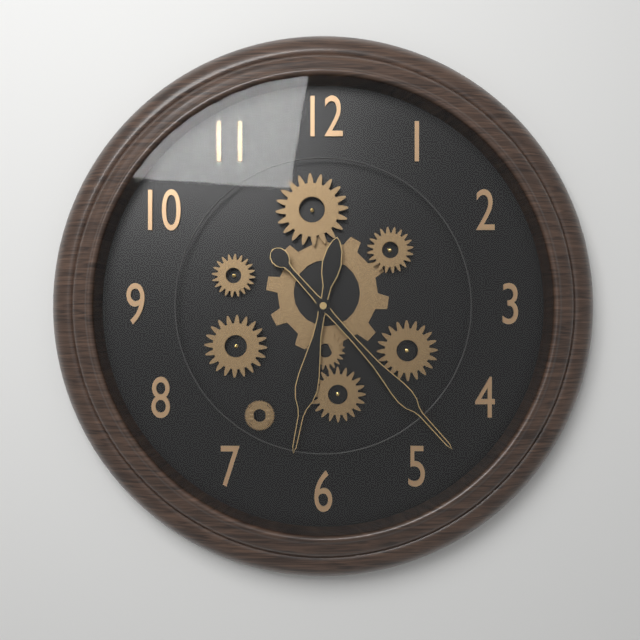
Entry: h=6 m=23
